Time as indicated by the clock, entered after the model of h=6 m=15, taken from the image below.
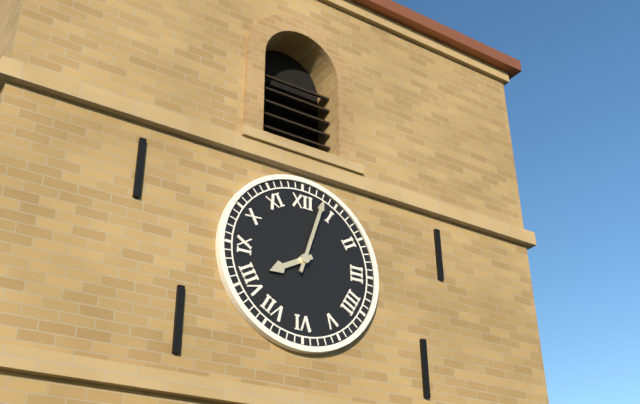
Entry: h=8 m=3
